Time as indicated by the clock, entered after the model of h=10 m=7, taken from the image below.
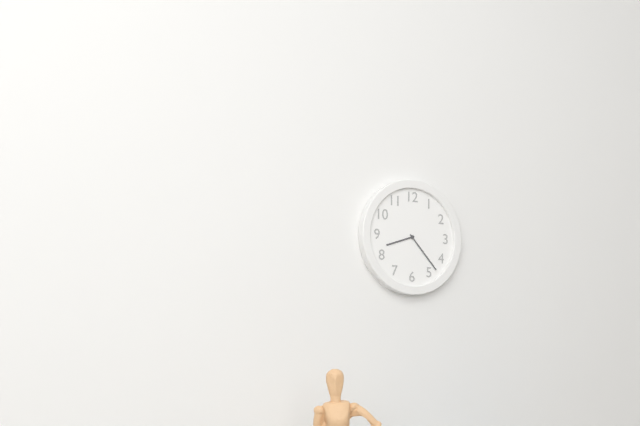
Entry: h=8 m=23
